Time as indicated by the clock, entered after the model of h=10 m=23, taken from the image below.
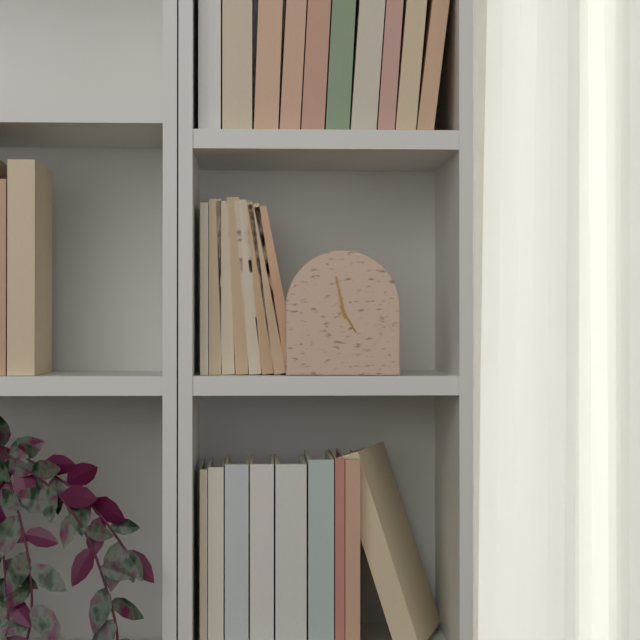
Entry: h=4 m=58
